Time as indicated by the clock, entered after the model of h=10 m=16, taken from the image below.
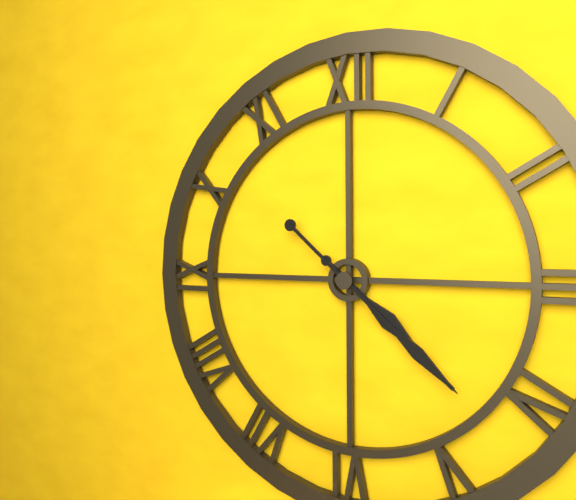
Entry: h=4 m=22
